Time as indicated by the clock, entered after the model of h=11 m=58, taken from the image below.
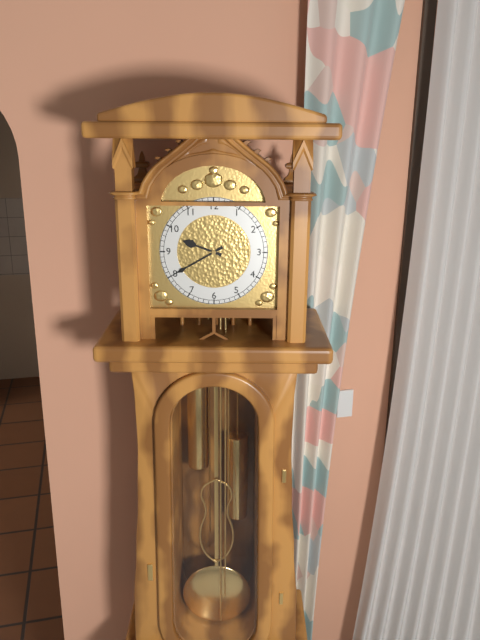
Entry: h=9 m=40
